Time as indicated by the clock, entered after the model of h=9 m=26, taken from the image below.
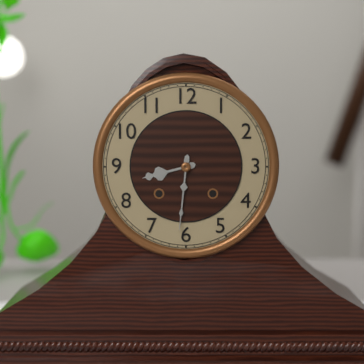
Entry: h=8 m=31
